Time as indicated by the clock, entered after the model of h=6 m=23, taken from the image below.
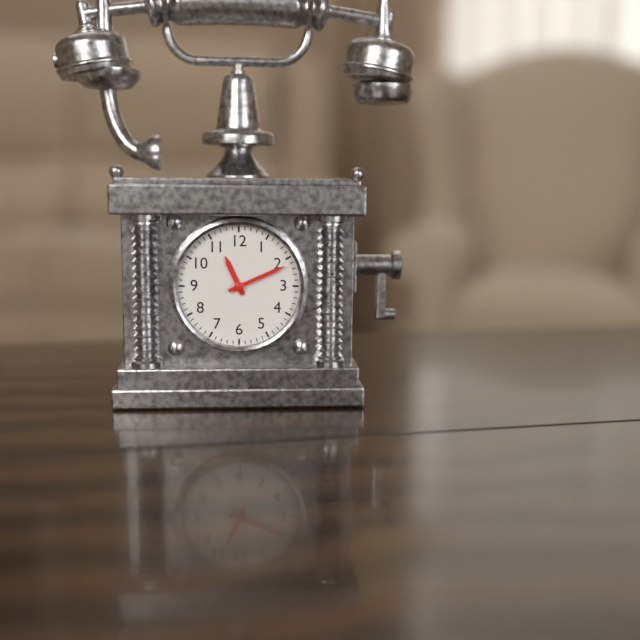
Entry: h=11 m=11
